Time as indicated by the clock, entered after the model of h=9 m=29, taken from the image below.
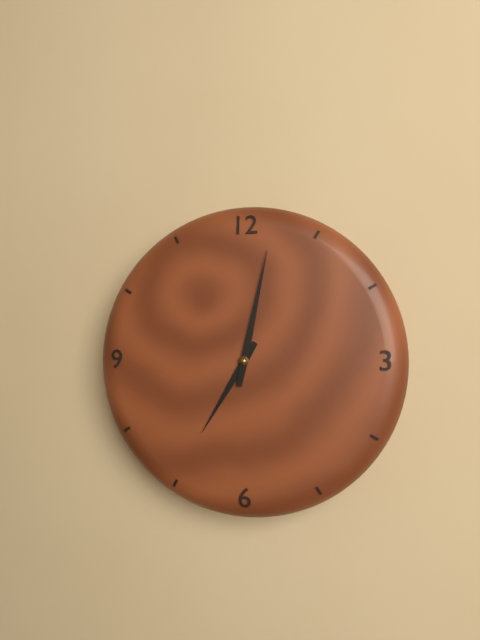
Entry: h=7 m=2
